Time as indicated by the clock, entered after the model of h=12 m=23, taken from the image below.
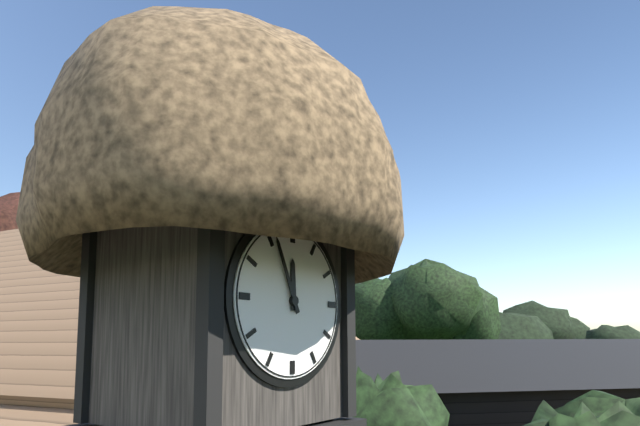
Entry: h=11 m=56
